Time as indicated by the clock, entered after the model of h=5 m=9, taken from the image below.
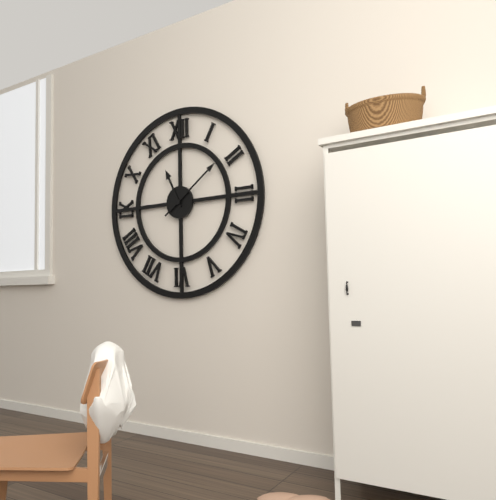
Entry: h=11 m=9
